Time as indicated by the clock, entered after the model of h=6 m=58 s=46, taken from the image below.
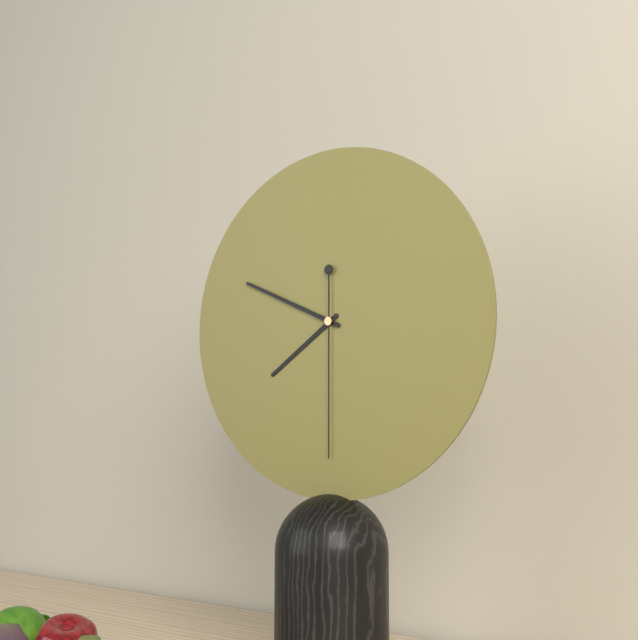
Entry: h=7 m=49 s=30
